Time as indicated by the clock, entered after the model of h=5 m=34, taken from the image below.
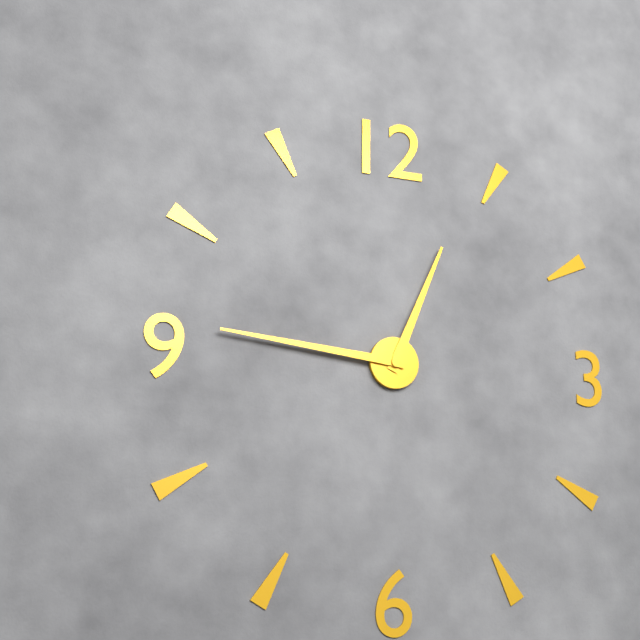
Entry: h=12 m=46
